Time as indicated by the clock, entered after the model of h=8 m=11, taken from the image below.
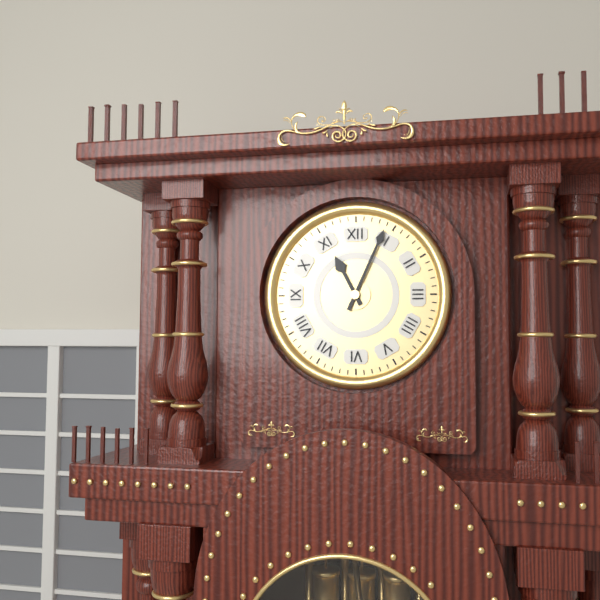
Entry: h=11 m=4
